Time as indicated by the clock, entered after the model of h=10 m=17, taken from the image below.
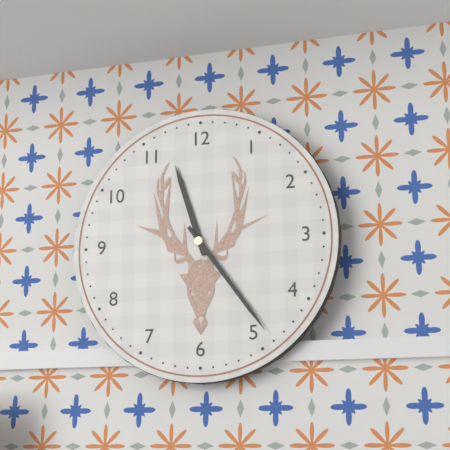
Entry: h=11 m=24
